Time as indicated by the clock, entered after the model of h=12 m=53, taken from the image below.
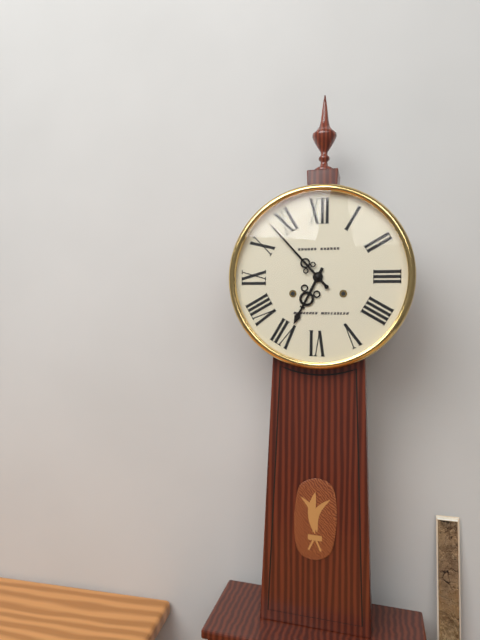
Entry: h=6 m=53
